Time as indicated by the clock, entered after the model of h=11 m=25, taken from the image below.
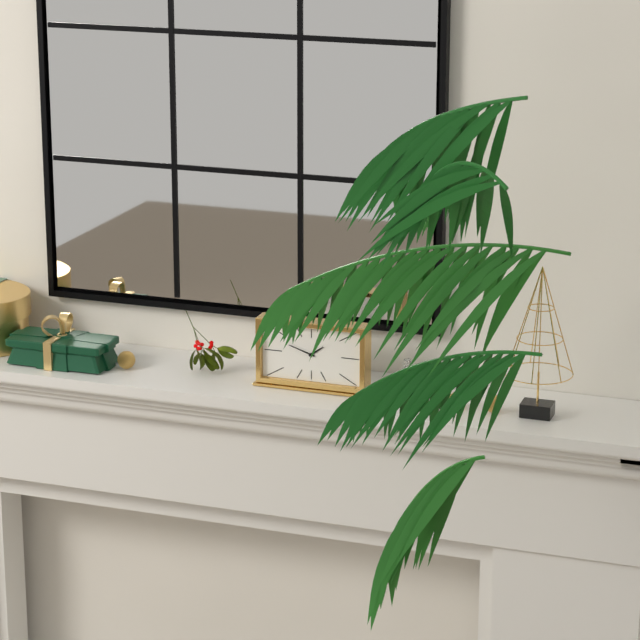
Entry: h=1 m=48
